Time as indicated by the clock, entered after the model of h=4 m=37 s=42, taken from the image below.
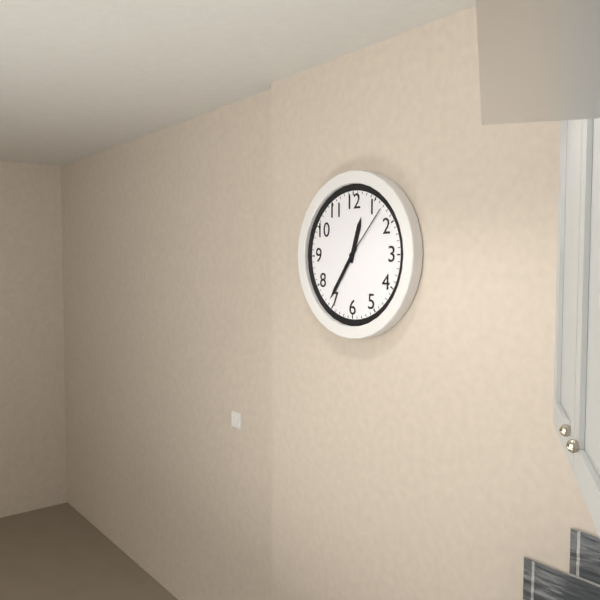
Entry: h=12 m=36 s=7
